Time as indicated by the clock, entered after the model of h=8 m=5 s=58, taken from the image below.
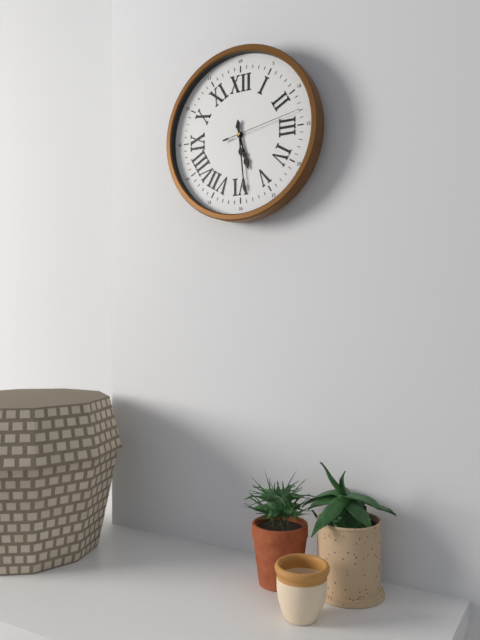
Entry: h=5 m=29 s=13
